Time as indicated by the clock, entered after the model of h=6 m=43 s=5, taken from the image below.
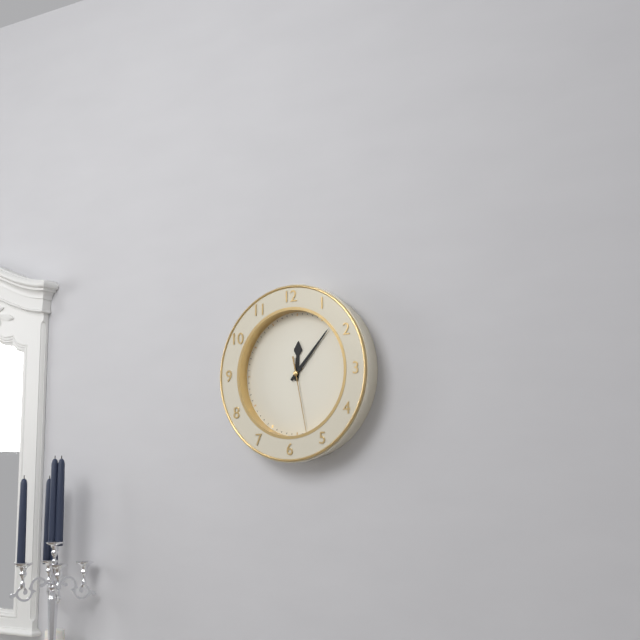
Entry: h=12 m=7 s=28
